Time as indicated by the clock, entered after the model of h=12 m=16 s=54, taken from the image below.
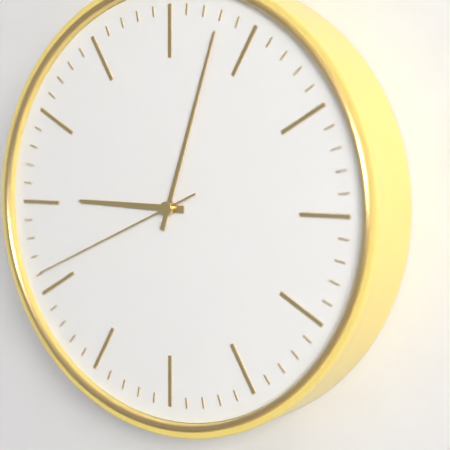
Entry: h=9 m=3 s=41
